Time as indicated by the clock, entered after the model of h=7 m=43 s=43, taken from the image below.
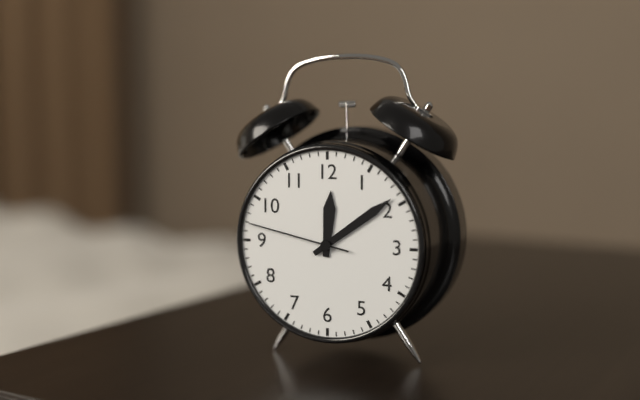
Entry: h=12 m=9 s=47
